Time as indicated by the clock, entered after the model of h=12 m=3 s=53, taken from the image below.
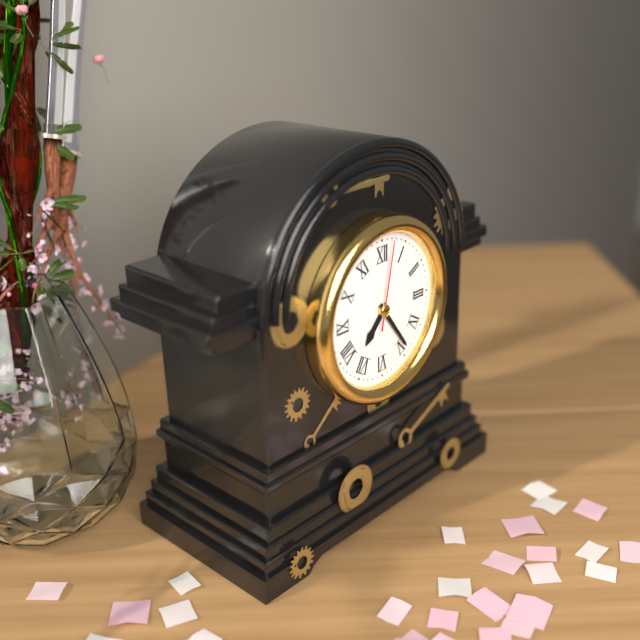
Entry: h=7 m=24 s=2
